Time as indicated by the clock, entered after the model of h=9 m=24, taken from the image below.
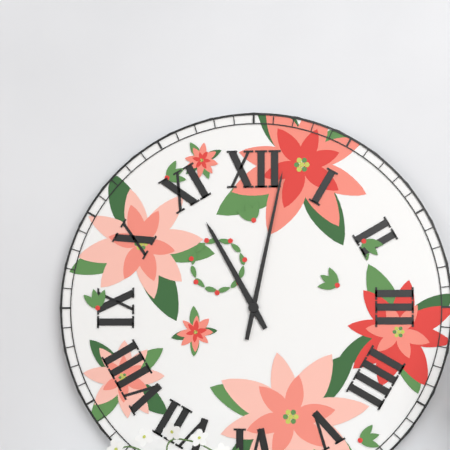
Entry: h=11 m=2
